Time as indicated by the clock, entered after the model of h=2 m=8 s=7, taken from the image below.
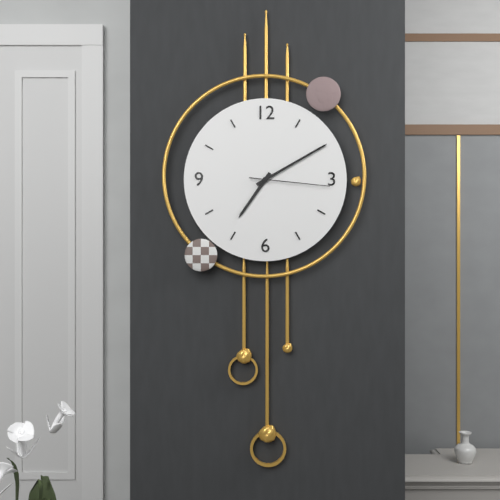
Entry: h=7 m=10 s=16
